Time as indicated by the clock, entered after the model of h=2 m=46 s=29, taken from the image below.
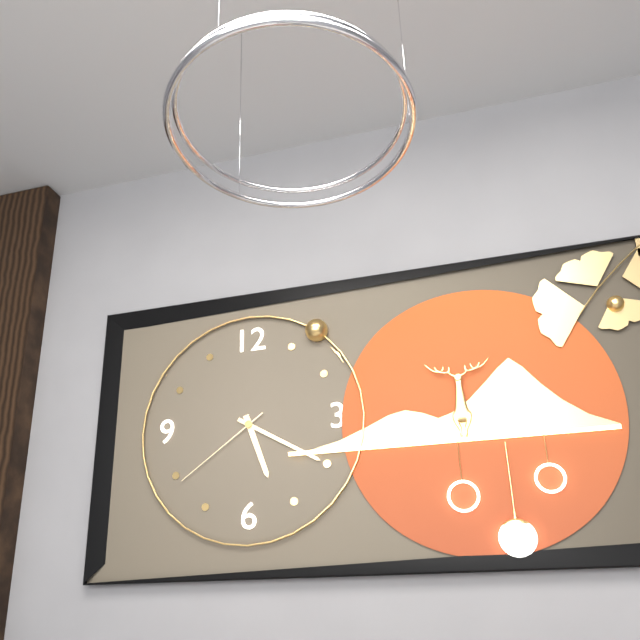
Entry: h=5 m=20 s=39
